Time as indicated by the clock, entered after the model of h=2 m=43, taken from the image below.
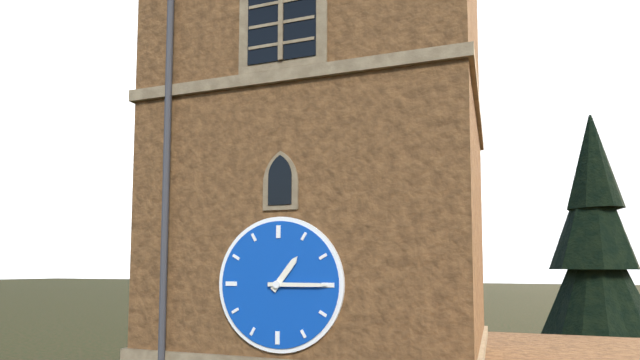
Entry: h=1 m=15
